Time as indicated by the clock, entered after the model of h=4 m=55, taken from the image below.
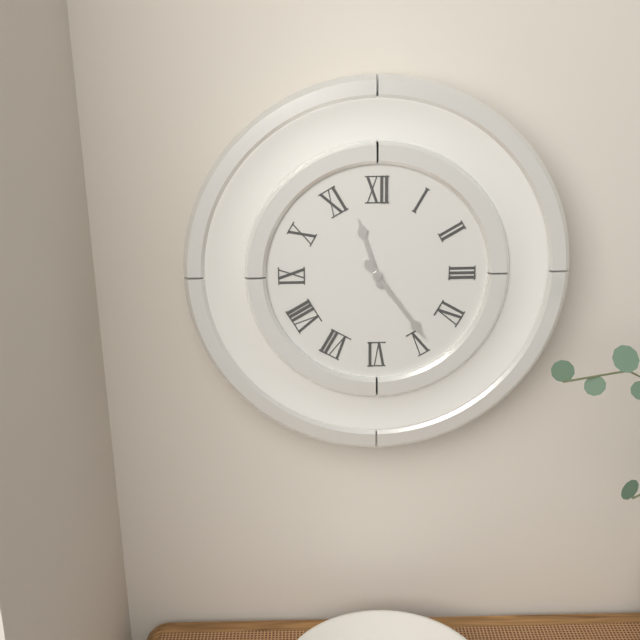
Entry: h=11 m=24
